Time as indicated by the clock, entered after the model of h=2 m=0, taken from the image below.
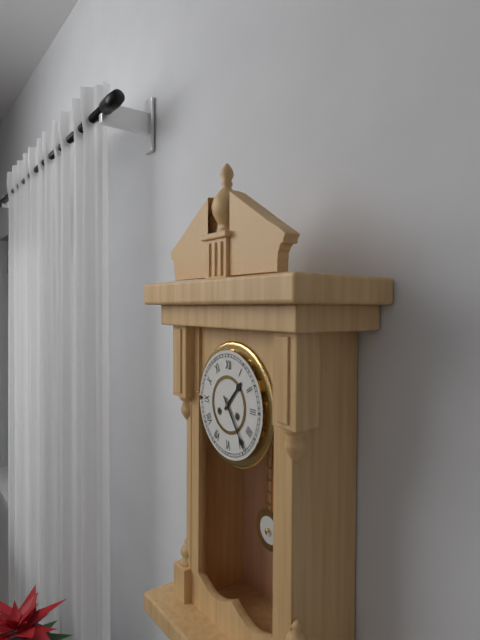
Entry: h=1 m=24
